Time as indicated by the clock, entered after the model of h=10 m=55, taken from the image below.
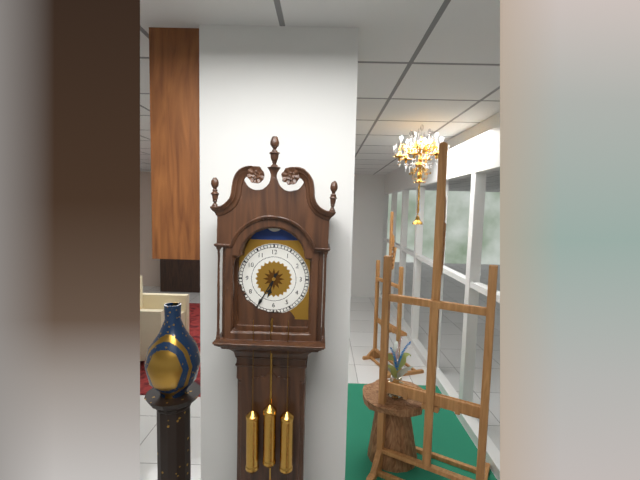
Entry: h=6 m=35
